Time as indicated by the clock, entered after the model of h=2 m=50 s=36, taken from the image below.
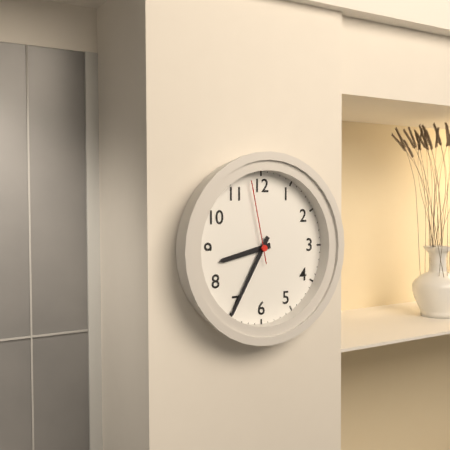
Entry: h=8 m=35 s=58
